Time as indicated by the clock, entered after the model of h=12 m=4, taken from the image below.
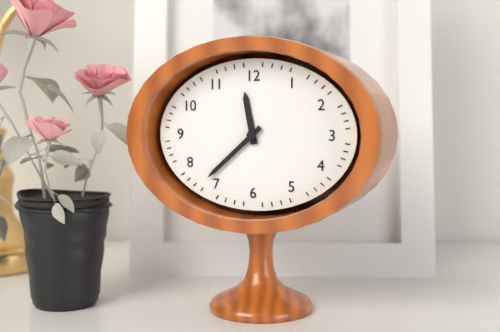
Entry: h=11 m=38
